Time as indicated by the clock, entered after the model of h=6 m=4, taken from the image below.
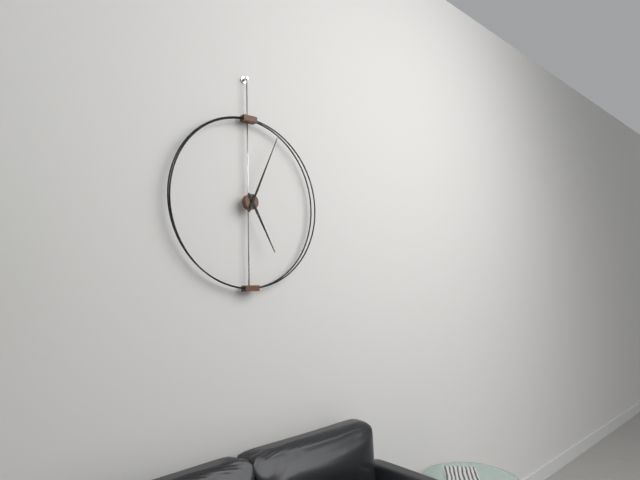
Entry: h=5 m=4
